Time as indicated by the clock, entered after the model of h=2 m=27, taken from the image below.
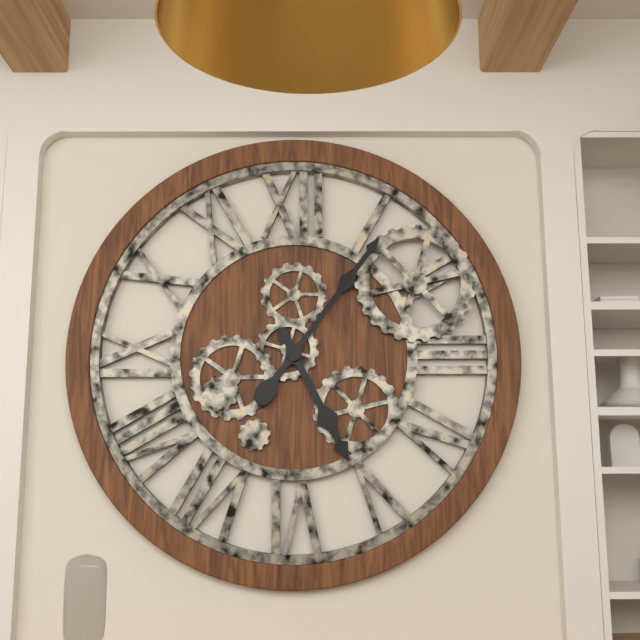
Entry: h=5 m=6
